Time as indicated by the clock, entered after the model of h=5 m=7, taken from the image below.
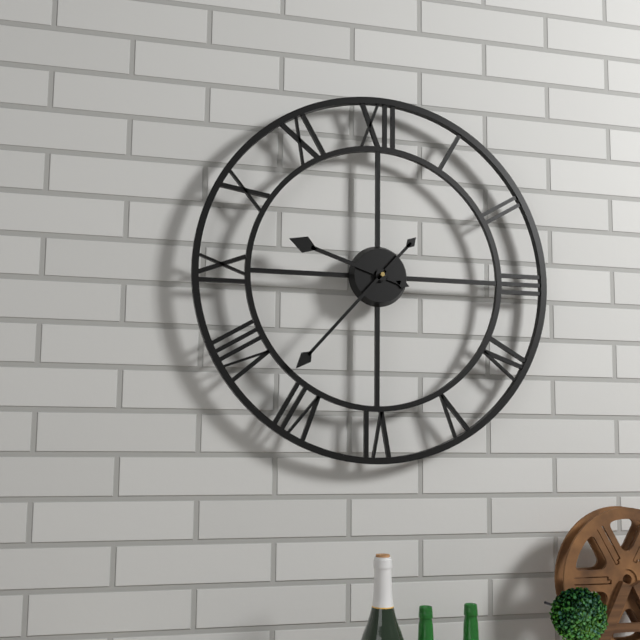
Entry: h=9 m=37
